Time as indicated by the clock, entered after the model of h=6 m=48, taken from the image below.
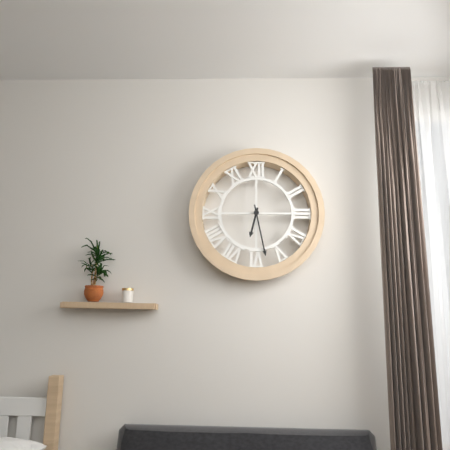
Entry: h=6 m=28
